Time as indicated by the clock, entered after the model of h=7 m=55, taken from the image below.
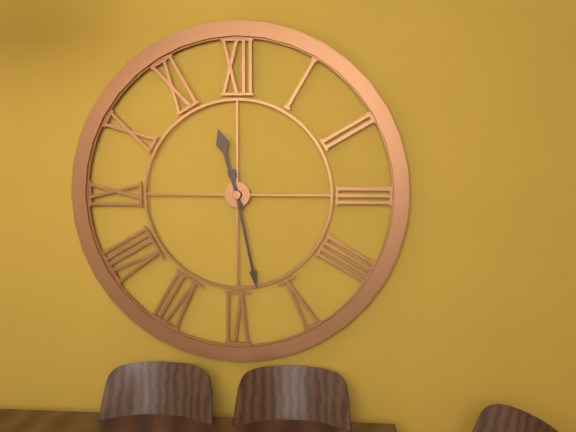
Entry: h=11 m=28
